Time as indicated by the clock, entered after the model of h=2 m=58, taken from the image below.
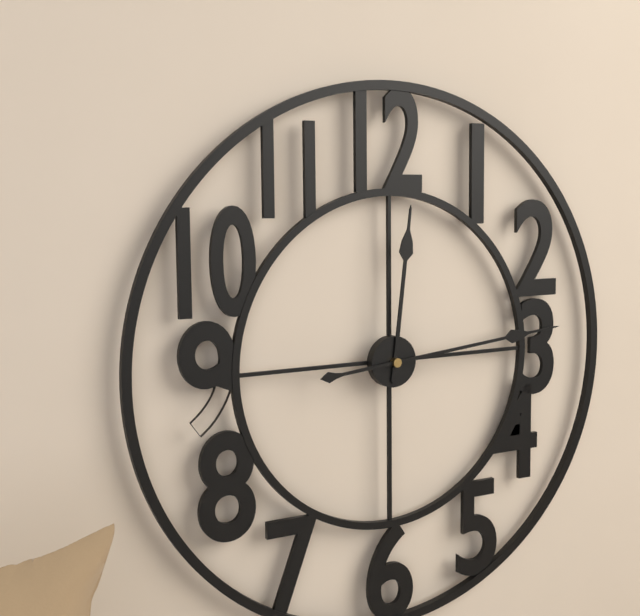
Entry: h=12 m=14
